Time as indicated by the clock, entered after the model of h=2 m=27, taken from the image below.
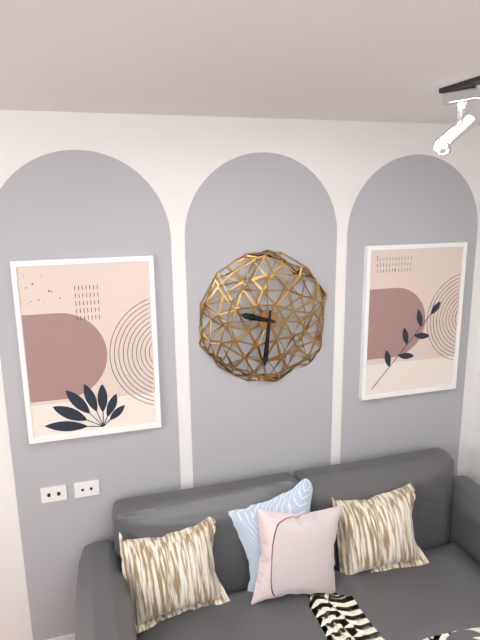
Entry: h=9 m=31
